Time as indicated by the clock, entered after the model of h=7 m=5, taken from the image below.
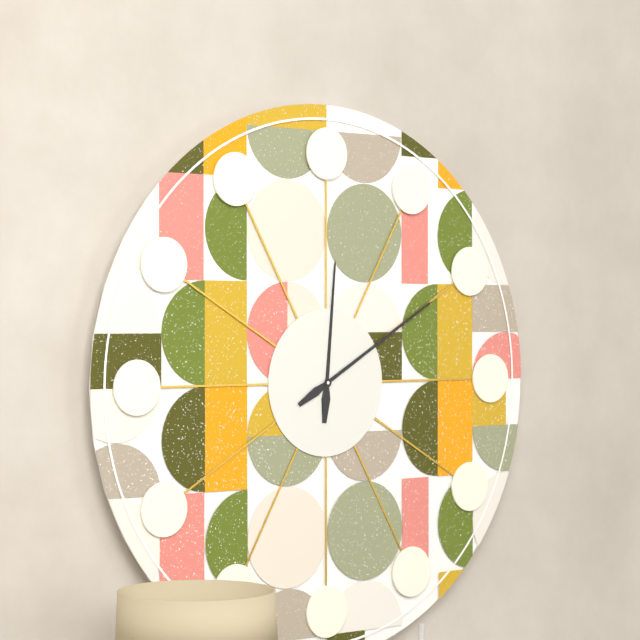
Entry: h=12 m=10
